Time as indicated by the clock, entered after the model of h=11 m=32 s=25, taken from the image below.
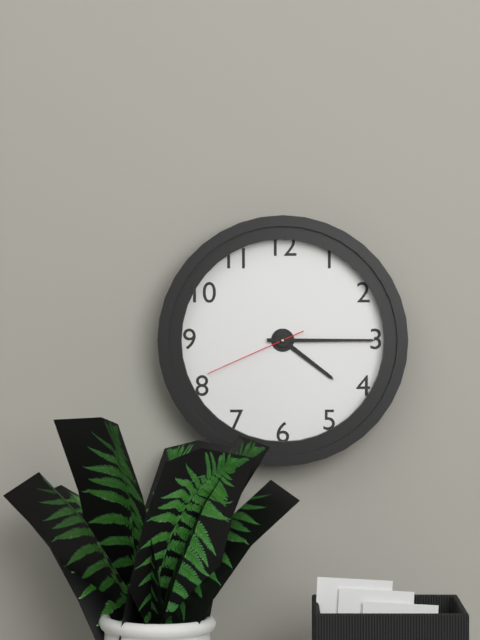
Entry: h=4 m=15 s=41
